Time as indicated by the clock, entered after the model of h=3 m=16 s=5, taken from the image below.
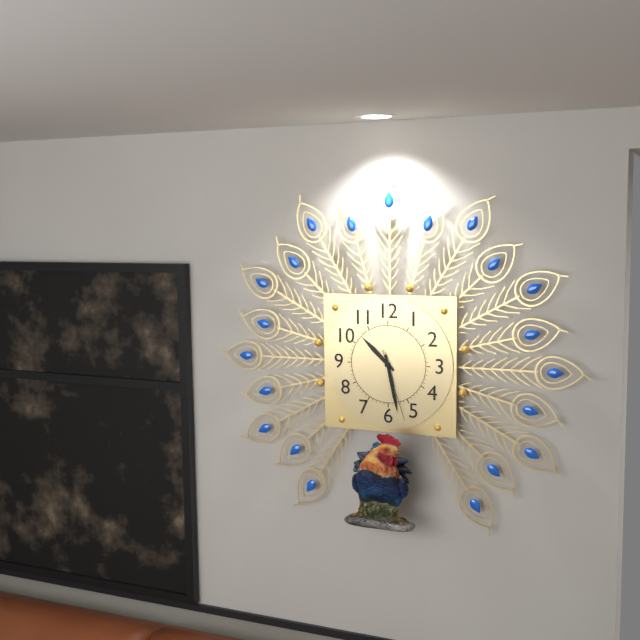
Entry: h=10 m=28 s=27
